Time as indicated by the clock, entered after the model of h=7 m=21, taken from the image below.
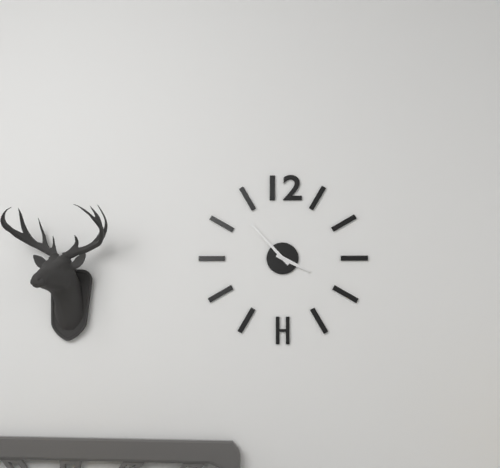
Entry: h=3 m=53
